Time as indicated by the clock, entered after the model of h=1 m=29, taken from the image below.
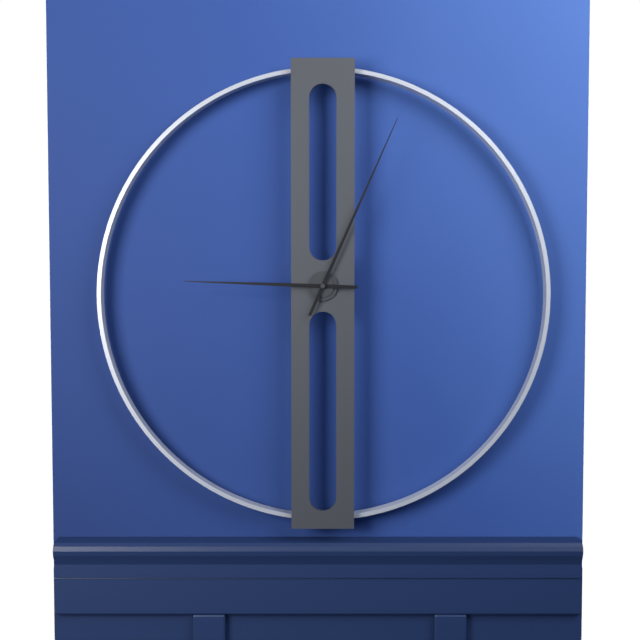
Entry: h=9 m=4
